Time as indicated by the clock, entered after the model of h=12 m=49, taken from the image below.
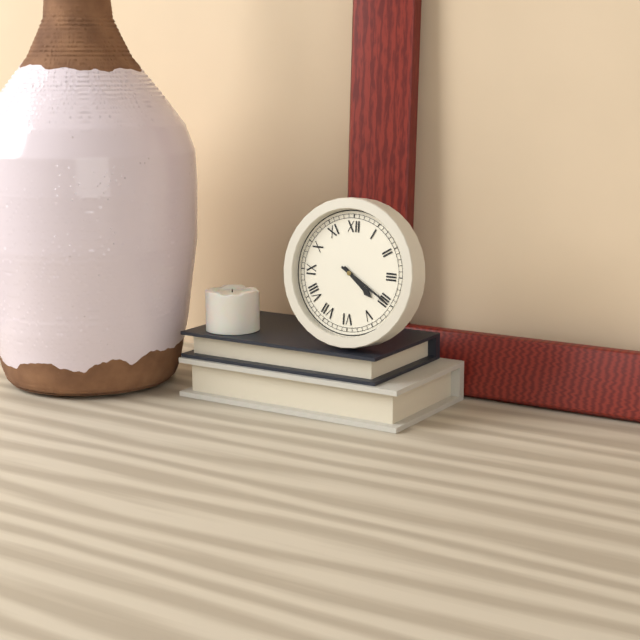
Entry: h=4 m=20
